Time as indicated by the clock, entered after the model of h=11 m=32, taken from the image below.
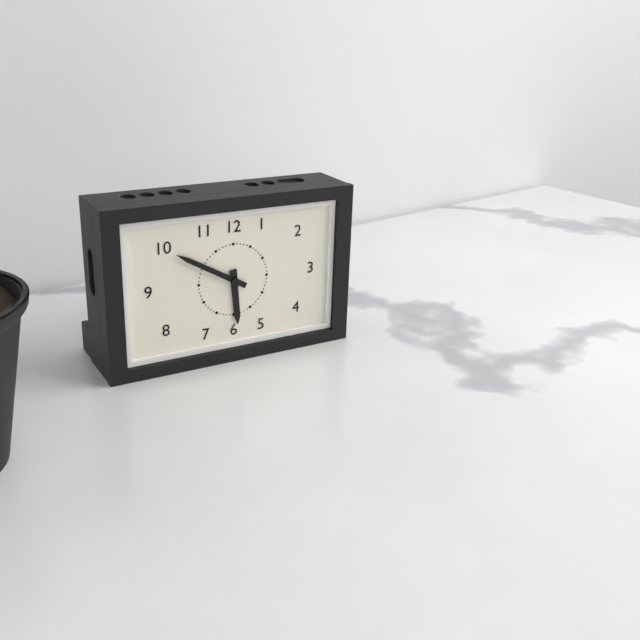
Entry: h=5 m=50
